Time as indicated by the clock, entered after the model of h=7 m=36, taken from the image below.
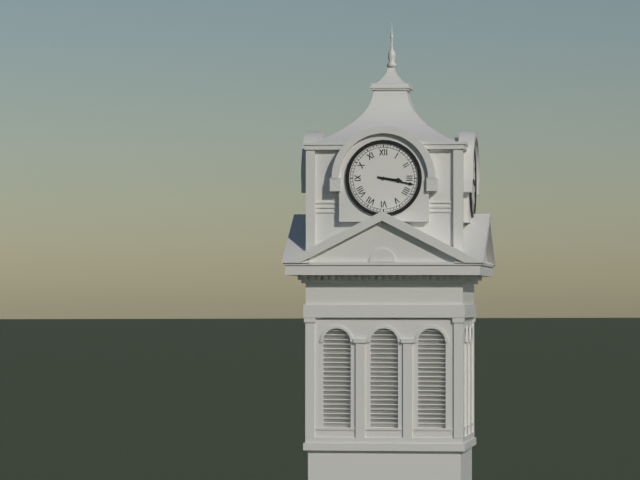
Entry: h=3 m=17
